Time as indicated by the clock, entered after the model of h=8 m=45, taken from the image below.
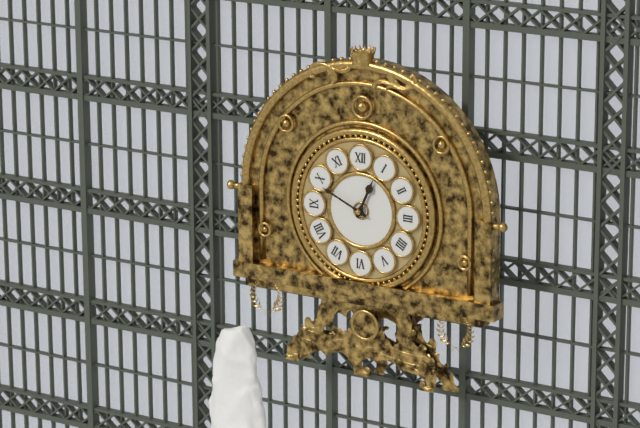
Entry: h=12 m=49
